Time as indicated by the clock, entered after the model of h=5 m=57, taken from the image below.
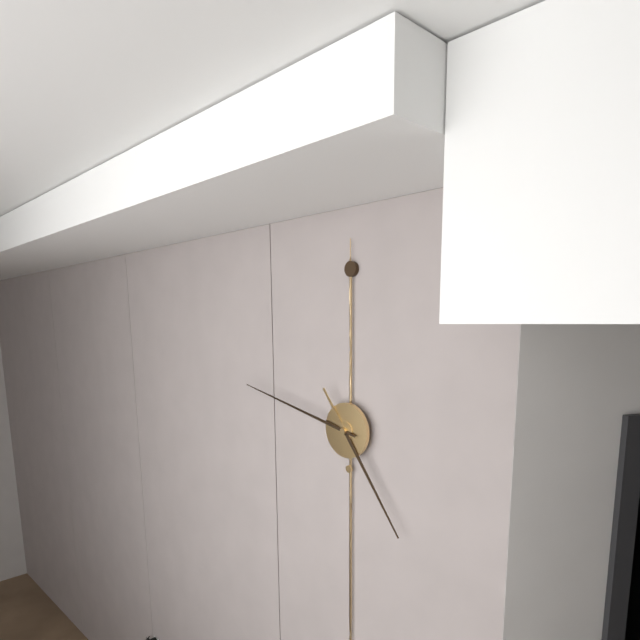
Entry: h=4 m=47
